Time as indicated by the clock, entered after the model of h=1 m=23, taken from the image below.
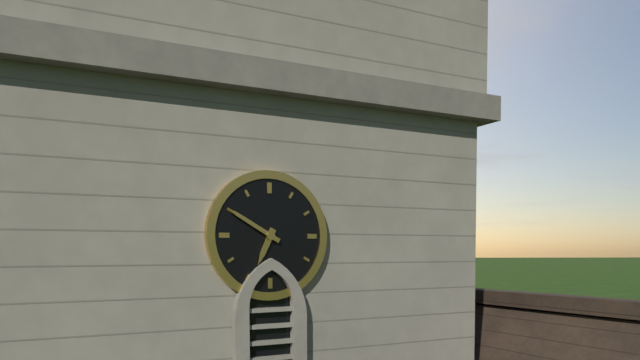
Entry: h=6 m=50
